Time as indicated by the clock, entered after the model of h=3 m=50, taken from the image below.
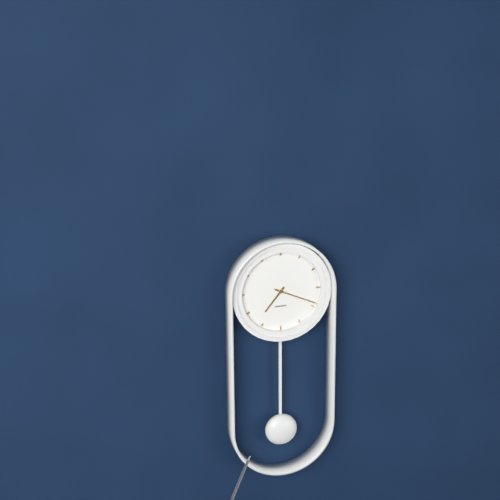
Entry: h=7 m=19
